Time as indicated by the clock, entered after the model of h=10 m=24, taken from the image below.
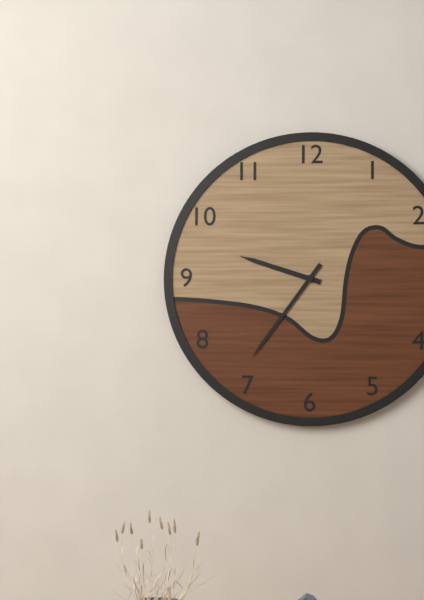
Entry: h=9 m=36
